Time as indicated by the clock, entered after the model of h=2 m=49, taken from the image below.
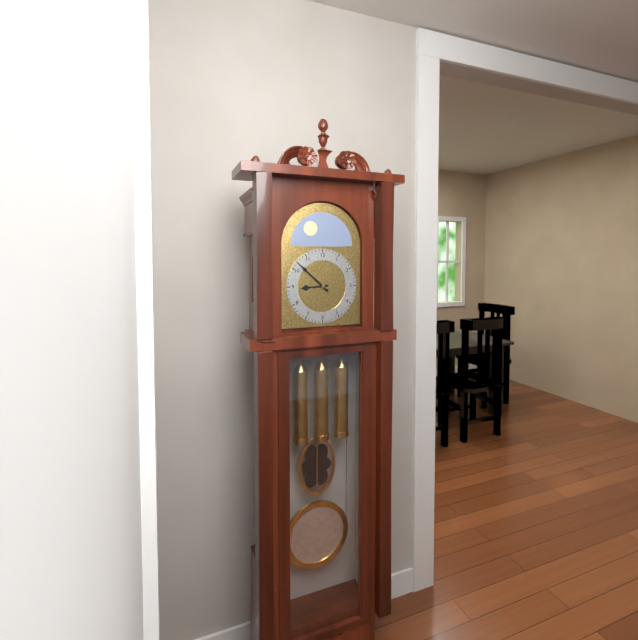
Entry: h=8 m=52
